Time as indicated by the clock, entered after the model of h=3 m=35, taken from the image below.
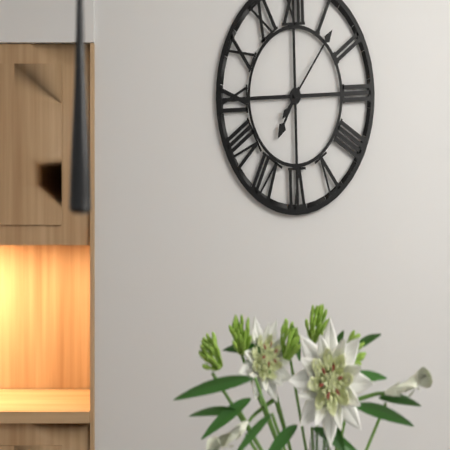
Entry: h=7 m=7
